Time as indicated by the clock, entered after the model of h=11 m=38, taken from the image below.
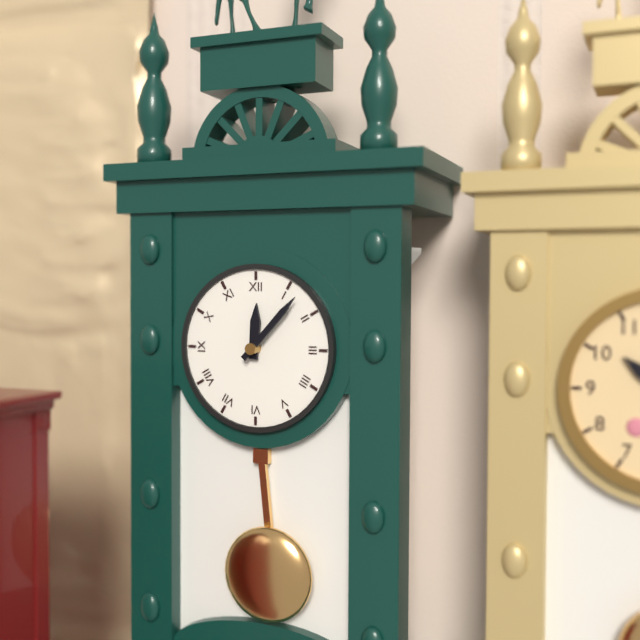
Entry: h=12 m=7
